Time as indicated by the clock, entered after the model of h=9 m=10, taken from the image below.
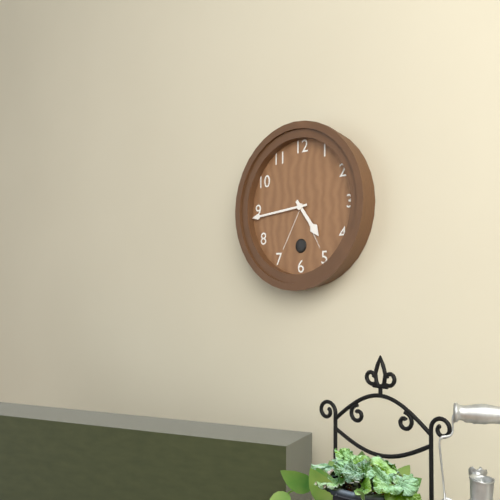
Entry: h=4 m=44
